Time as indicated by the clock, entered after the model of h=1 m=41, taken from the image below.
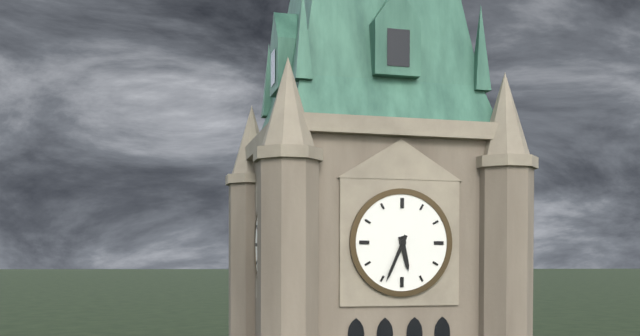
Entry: h=5 m=34
